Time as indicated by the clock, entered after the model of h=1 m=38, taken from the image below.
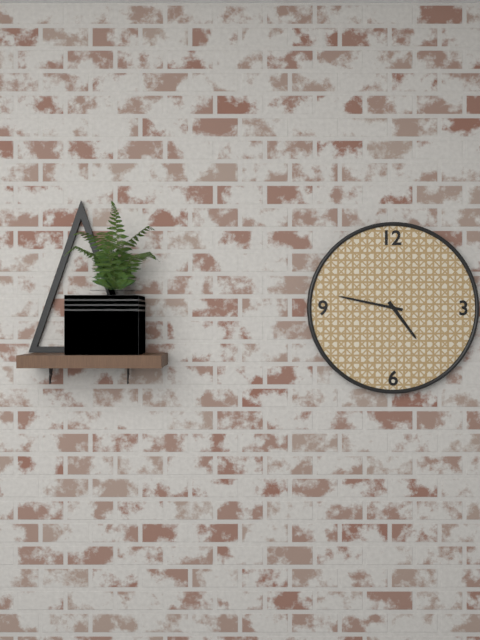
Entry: h=4 m=47
